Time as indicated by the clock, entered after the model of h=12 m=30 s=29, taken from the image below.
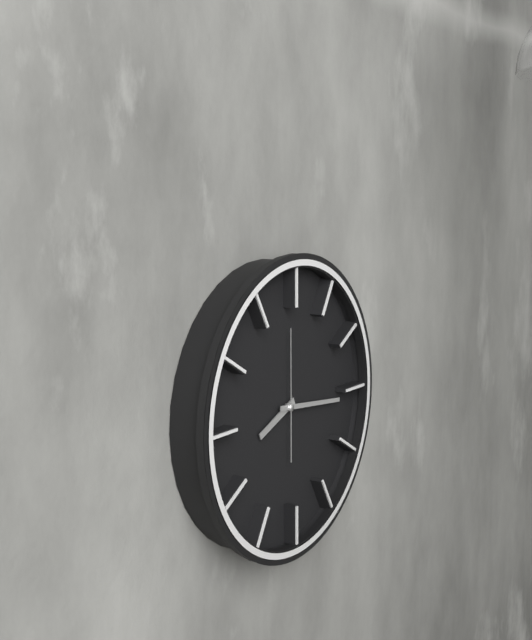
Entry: h=8 m=16 s=0
